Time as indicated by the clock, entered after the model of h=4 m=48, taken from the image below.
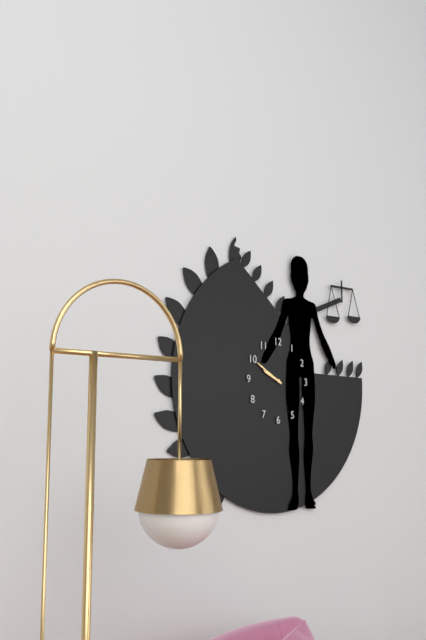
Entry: h=9 m=50
